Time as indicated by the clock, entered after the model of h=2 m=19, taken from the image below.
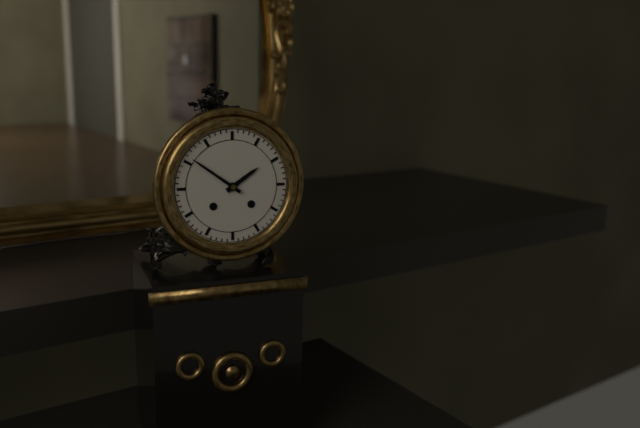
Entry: h=1 m=51
